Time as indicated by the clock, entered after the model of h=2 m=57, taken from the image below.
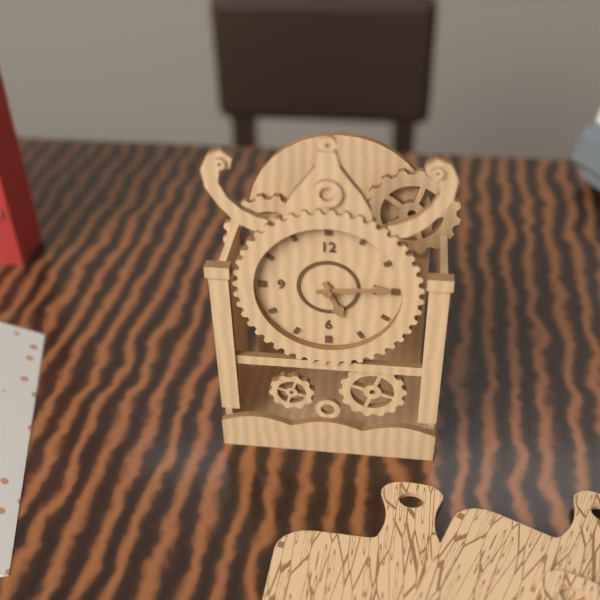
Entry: h=5 m=14
